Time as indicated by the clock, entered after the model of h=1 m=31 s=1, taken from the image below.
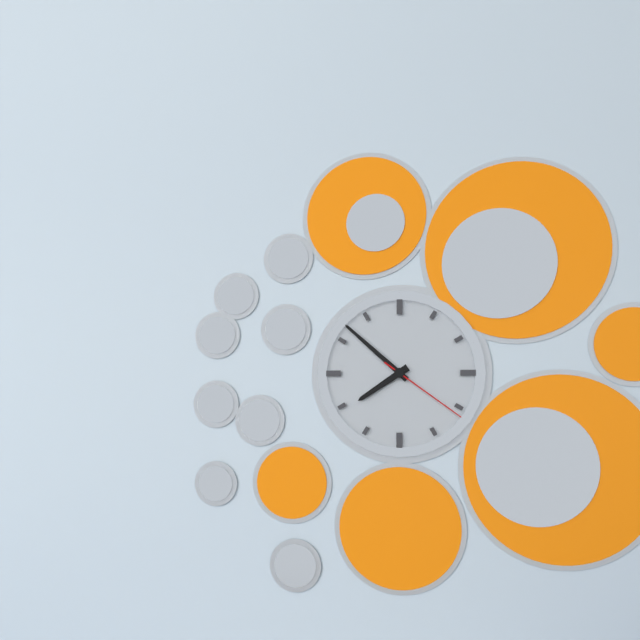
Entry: h=7 m=52 s=21
